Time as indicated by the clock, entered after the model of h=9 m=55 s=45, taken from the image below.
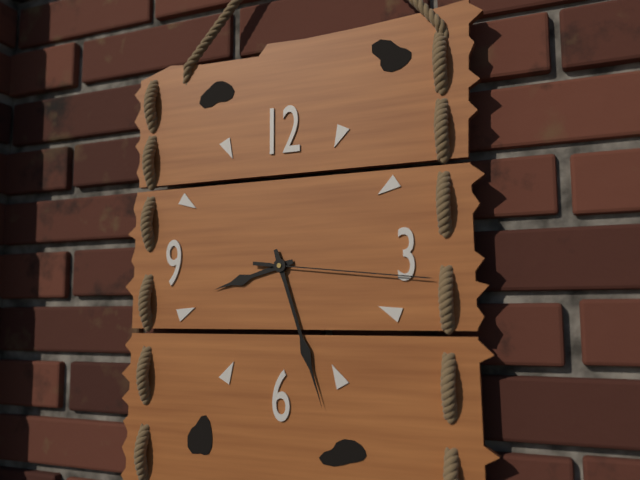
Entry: h=8 m=27 s=16
